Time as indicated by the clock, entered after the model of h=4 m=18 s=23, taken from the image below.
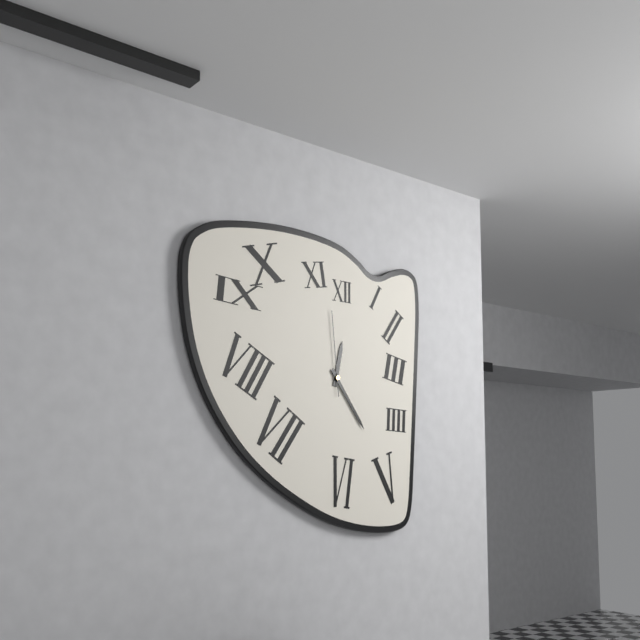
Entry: h=12 m=24 s=59
